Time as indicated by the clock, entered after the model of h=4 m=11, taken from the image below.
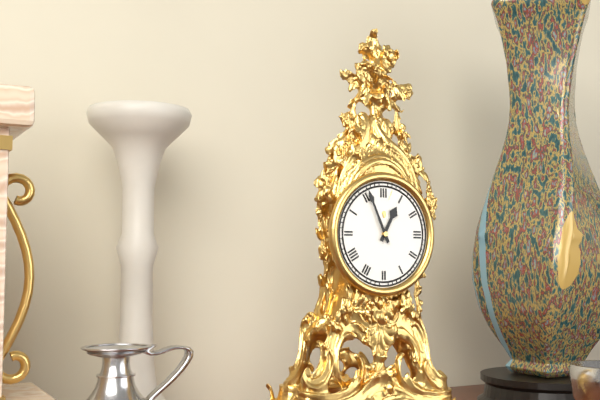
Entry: h=12 m=56
